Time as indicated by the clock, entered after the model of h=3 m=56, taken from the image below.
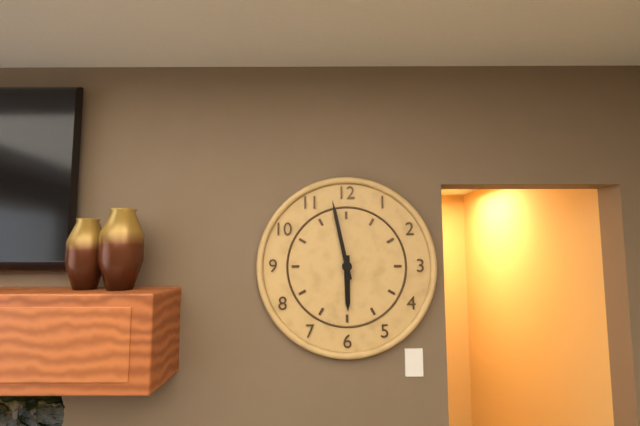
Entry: h=5 m=58
